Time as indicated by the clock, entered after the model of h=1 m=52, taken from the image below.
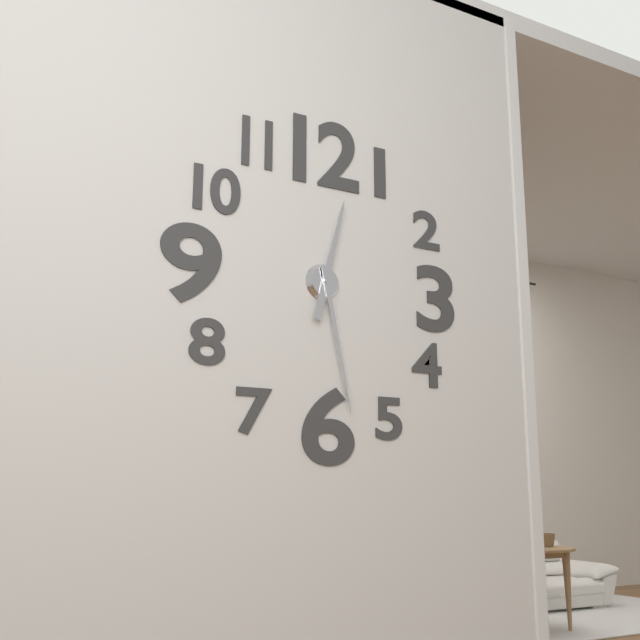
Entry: h=12 m=28
